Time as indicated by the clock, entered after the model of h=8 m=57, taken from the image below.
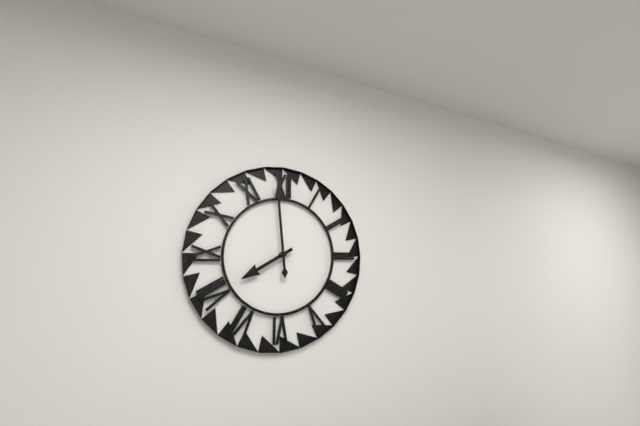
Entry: h=7 m=59
